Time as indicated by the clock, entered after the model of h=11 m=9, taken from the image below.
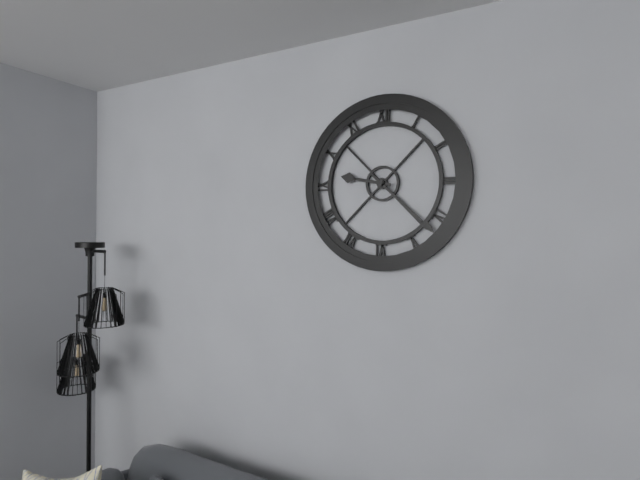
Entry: h=9 m=22
